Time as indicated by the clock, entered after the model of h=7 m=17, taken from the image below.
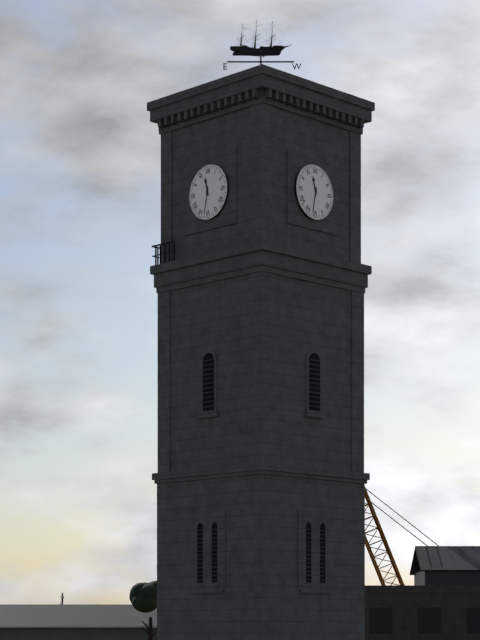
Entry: h=11 m=32
